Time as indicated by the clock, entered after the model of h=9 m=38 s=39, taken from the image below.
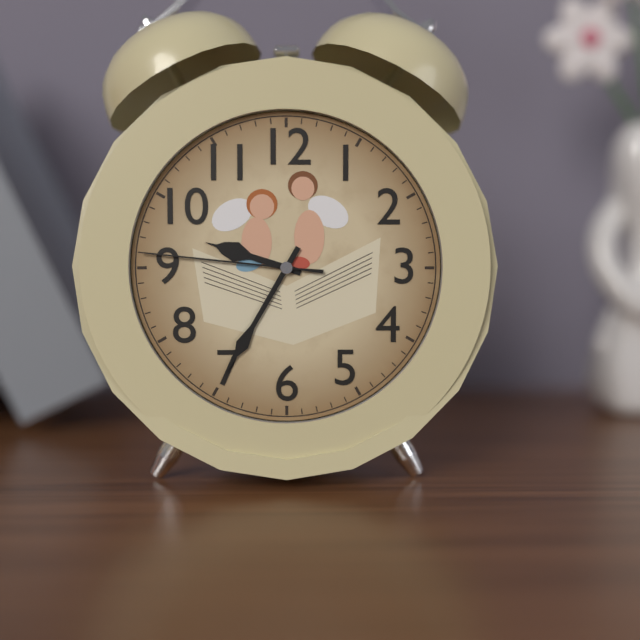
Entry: h=9 m=35 s=46
